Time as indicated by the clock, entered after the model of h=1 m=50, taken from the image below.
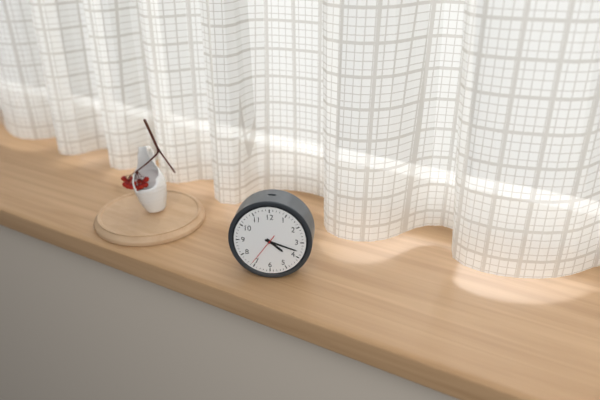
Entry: h=4 m=18
